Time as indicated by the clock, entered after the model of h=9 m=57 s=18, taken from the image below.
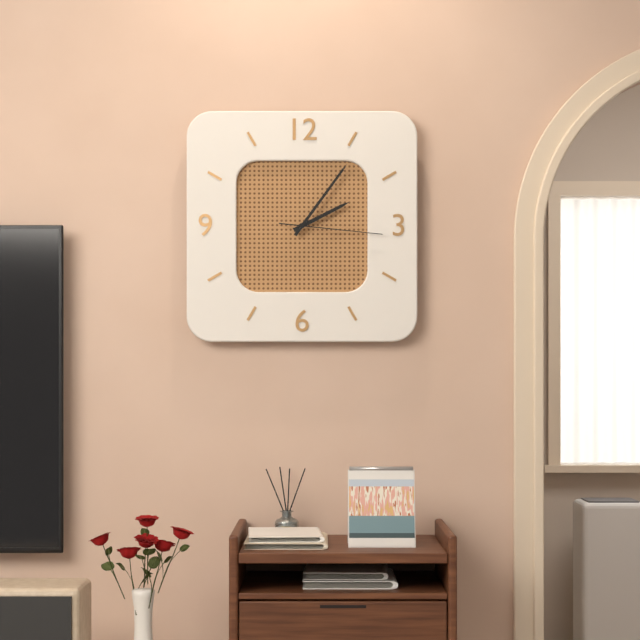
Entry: h=2 m=6 s=16
